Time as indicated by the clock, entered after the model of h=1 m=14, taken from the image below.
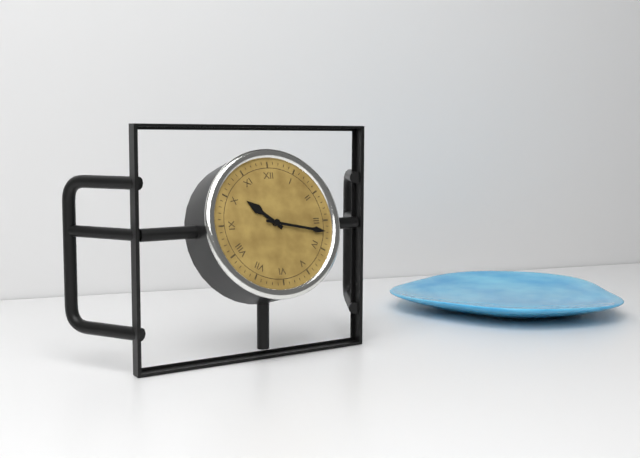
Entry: h=10 m=17
